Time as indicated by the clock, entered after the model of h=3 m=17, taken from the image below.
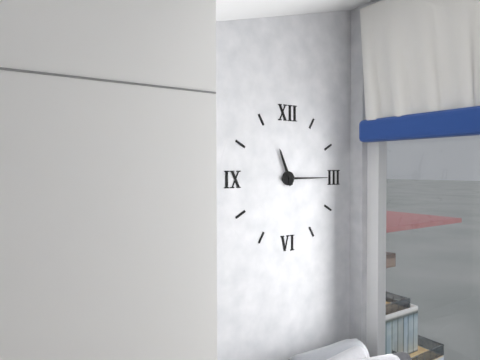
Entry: h=11 m=15
